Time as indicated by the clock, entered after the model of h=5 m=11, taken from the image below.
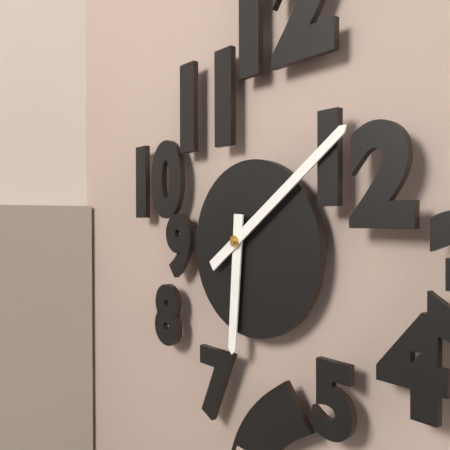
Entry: h=6 m=9
